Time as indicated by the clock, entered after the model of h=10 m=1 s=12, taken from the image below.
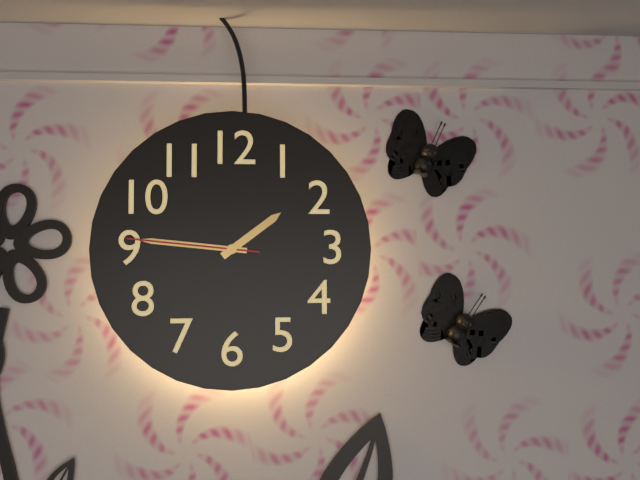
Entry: h=1 m=46 s=46
